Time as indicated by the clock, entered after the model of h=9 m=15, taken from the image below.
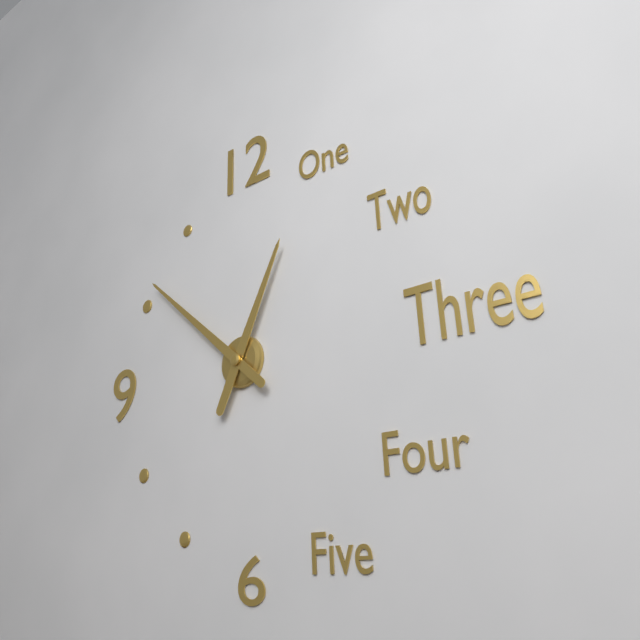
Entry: h=12 m=52
